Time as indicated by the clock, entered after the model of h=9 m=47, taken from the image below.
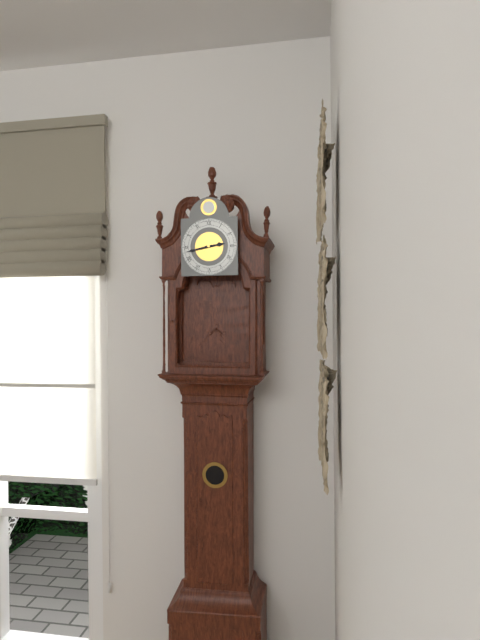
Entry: h=2 m=43
